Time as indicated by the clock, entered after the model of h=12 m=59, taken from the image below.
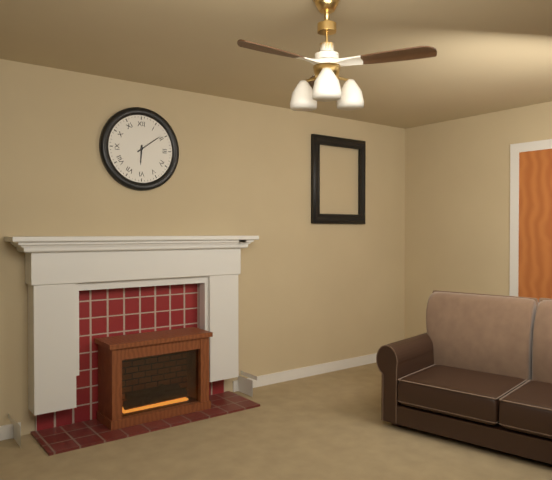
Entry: h=6 m=9
